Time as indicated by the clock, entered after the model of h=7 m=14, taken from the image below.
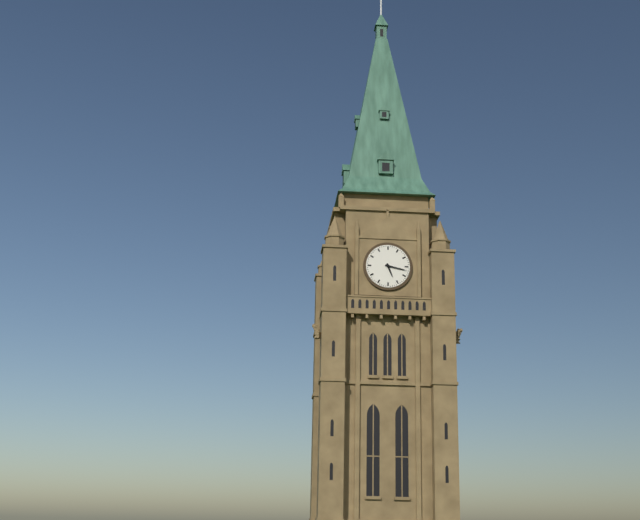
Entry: h=5 m=17
